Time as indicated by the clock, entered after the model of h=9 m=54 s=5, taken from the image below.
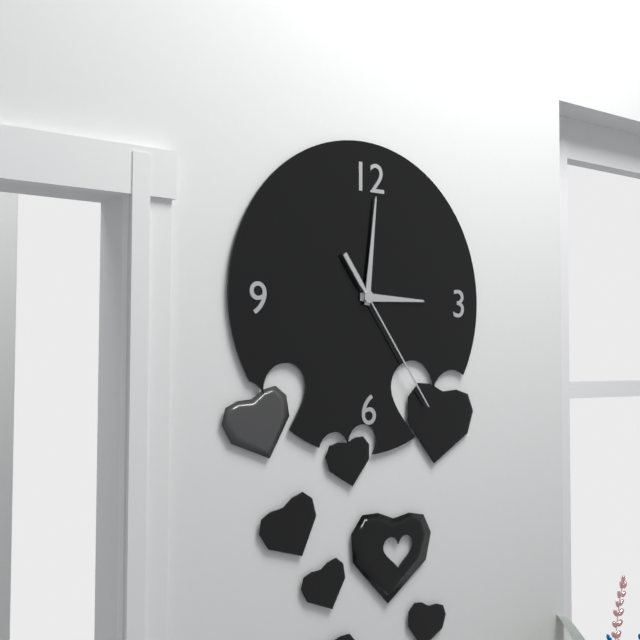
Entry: h=3 m=1 s=24
